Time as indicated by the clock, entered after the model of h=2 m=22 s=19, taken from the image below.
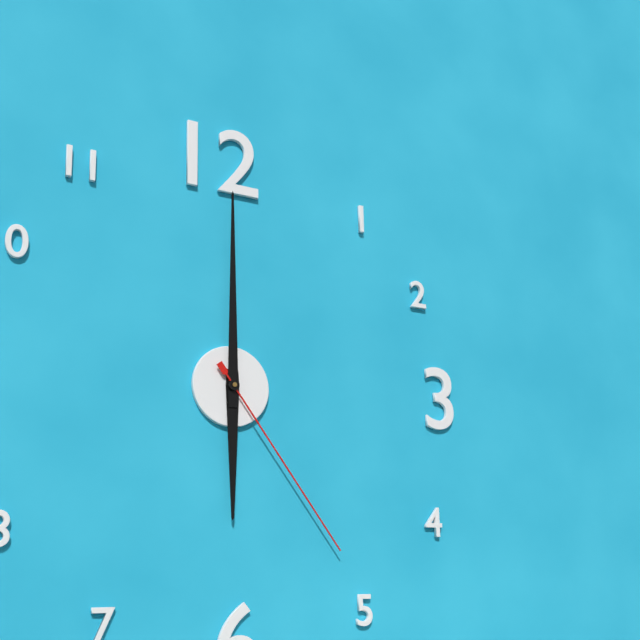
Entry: h=6 m=0 s=24
